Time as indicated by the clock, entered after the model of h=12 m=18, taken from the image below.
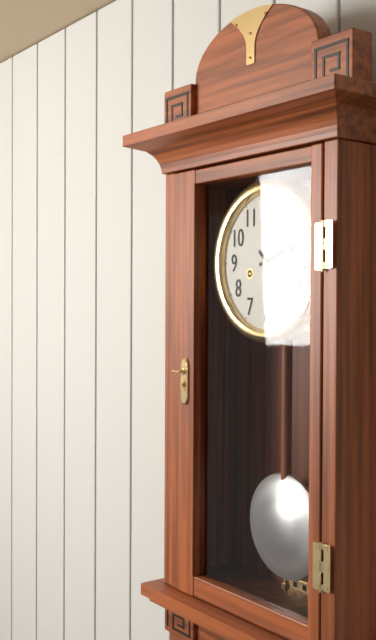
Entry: h=2 m=23
